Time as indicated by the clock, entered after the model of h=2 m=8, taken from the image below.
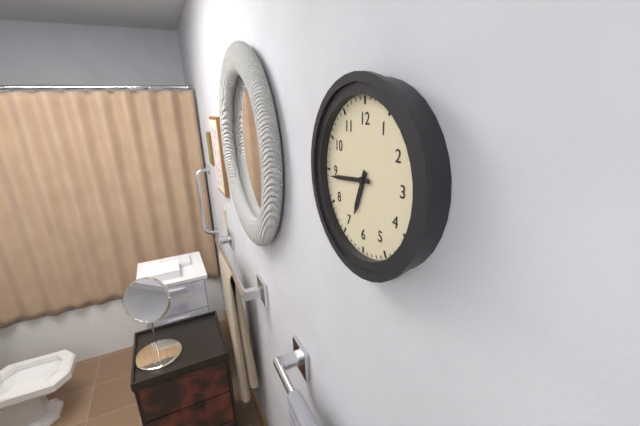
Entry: h=6 m=44
